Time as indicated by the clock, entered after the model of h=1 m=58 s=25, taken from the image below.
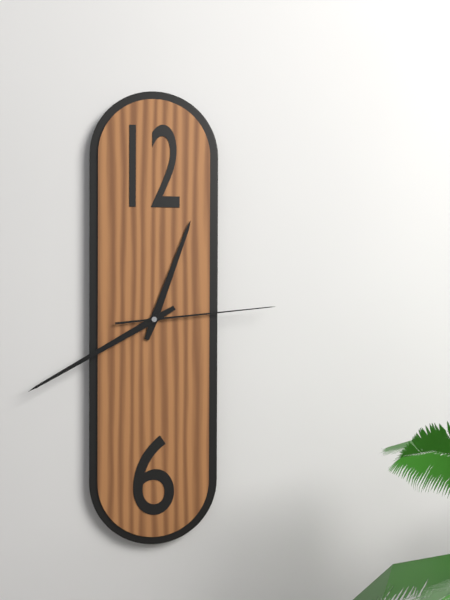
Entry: h=12 m=40 s=14
